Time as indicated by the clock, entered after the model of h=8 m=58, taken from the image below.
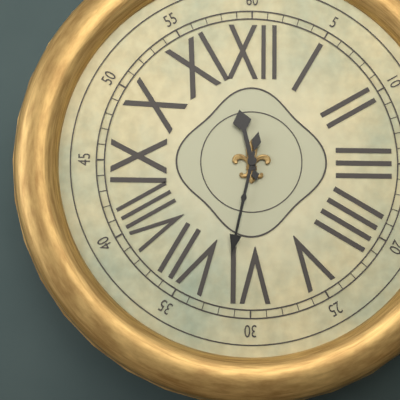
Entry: h=11 m=32
